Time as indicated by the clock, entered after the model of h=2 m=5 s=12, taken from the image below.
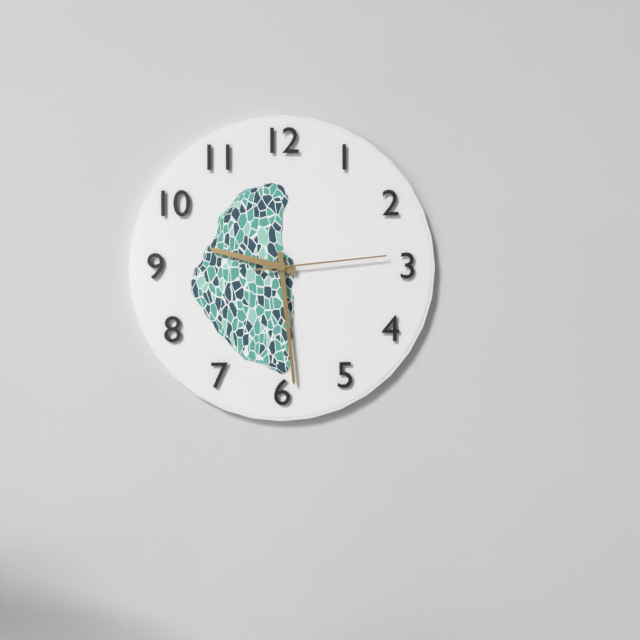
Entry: h=9 m=29 s=14
